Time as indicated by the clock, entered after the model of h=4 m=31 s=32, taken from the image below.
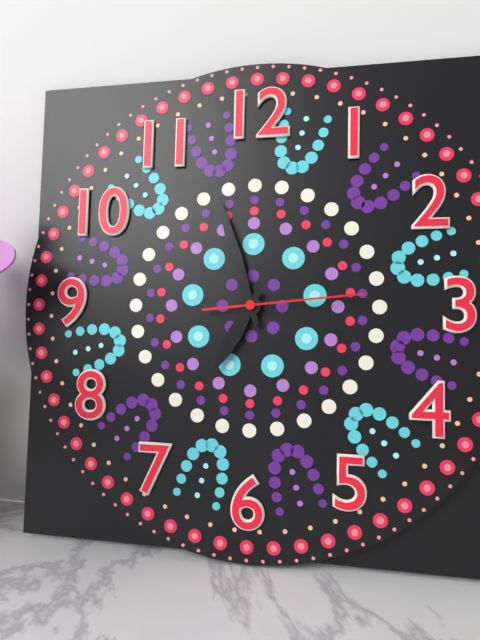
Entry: h=6 m=57 s=14
